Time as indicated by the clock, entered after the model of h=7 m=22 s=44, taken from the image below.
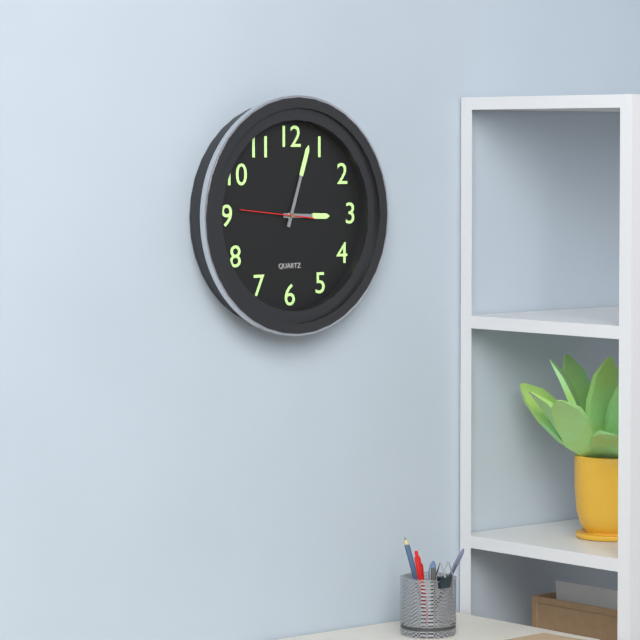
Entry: h=3 m=3 s=46
